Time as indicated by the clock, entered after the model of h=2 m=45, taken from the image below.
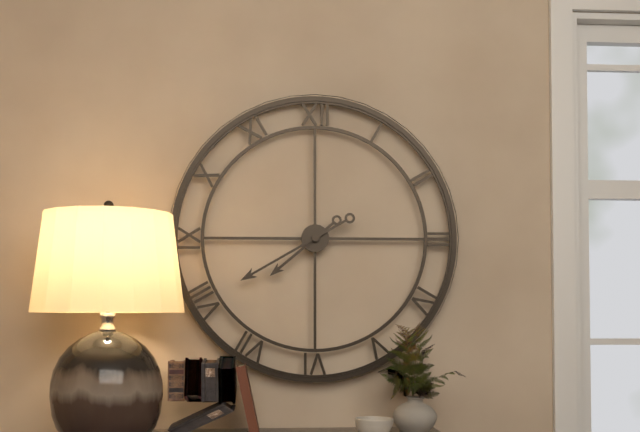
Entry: h=7 m=40
